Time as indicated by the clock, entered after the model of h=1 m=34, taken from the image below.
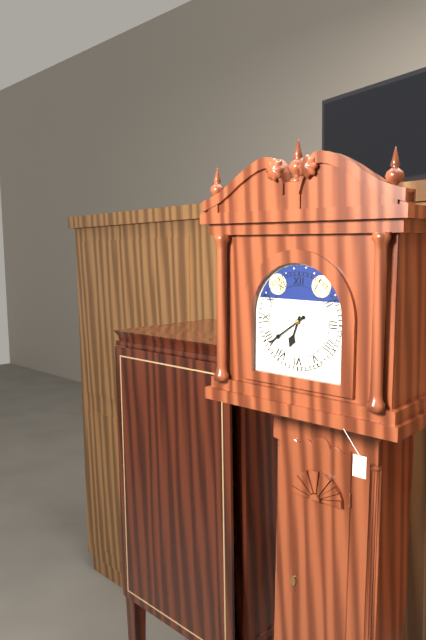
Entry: h=6 m=39
